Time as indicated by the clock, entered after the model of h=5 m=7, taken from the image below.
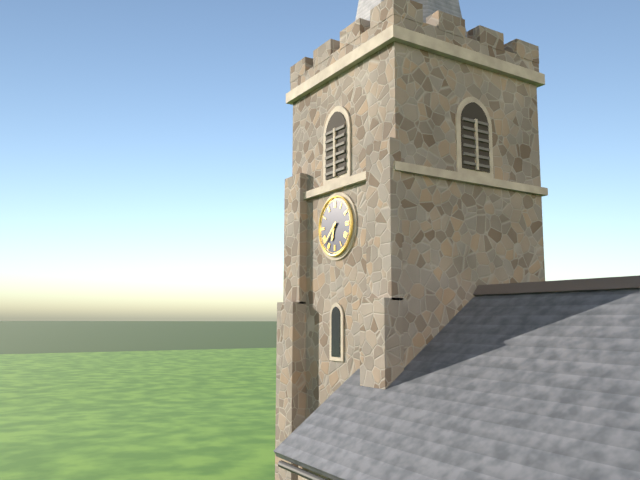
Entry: h=6 m=38
